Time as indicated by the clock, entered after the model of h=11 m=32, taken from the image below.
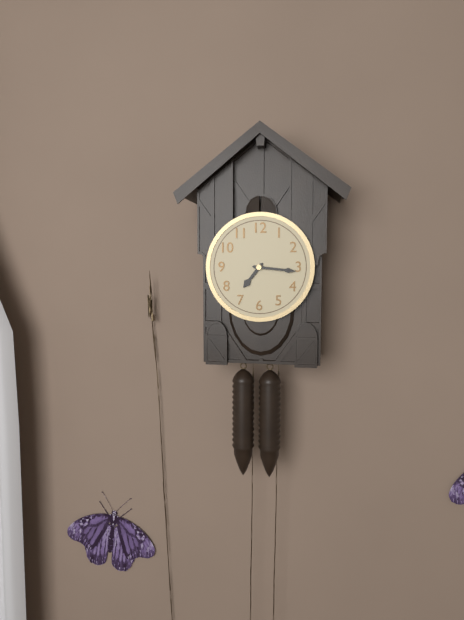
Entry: h=7 m=16
